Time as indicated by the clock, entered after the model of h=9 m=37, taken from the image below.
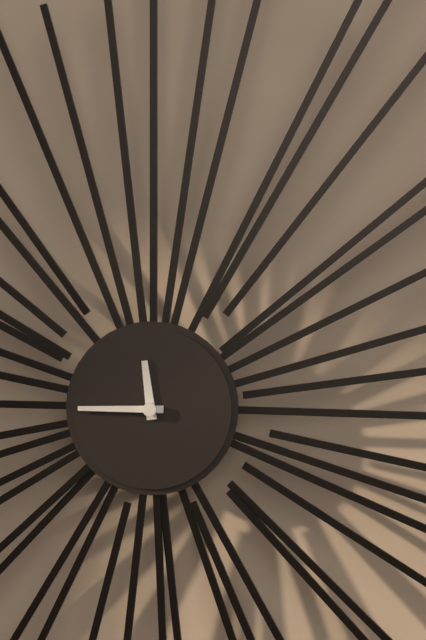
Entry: h=11 m=45
